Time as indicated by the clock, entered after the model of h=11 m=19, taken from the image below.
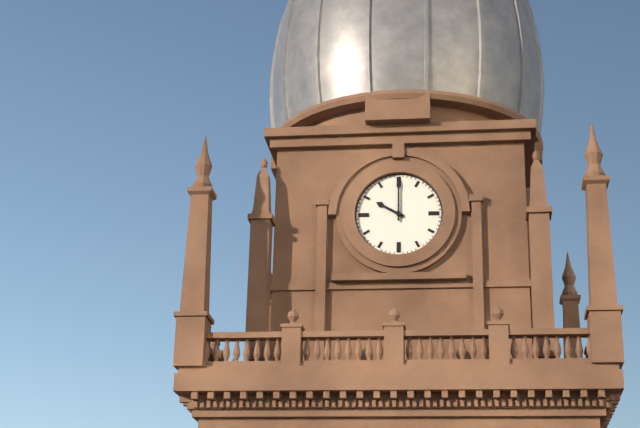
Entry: h=10 m=0
